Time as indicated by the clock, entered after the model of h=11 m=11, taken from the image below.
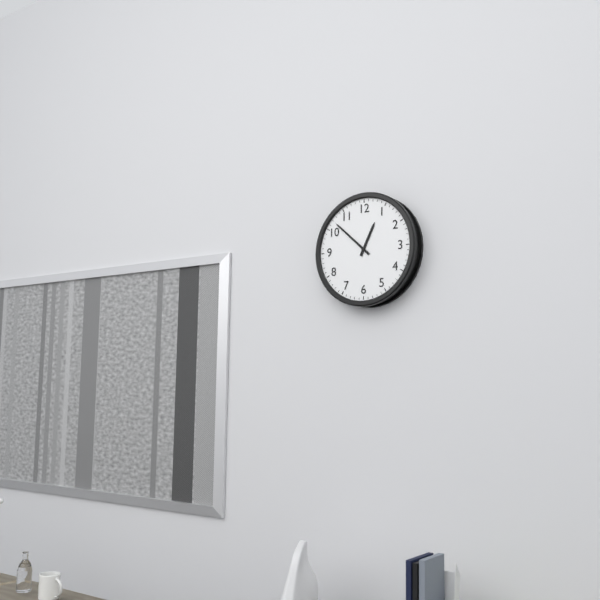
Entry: h=12 m=52
